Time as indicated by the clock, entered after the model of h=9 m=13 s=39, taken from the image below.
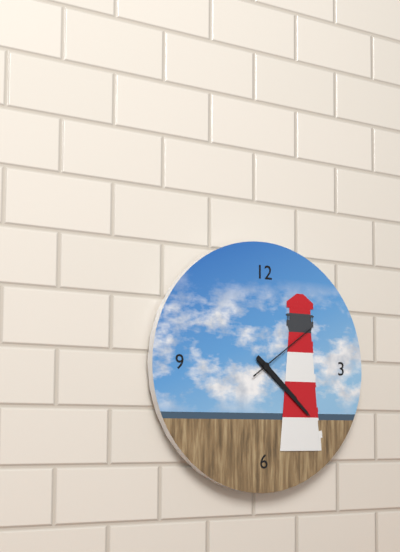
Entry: h=4 m=22 s=9
